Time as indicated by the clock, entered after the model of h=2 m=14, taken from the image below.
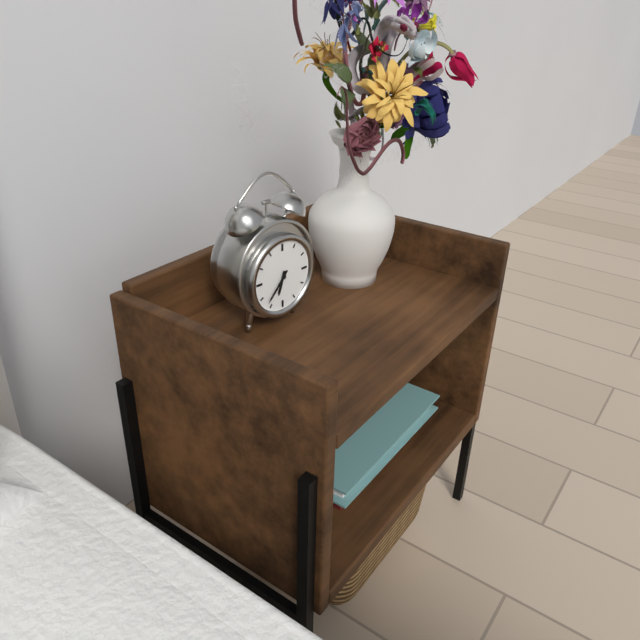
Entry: h=6 m=37
